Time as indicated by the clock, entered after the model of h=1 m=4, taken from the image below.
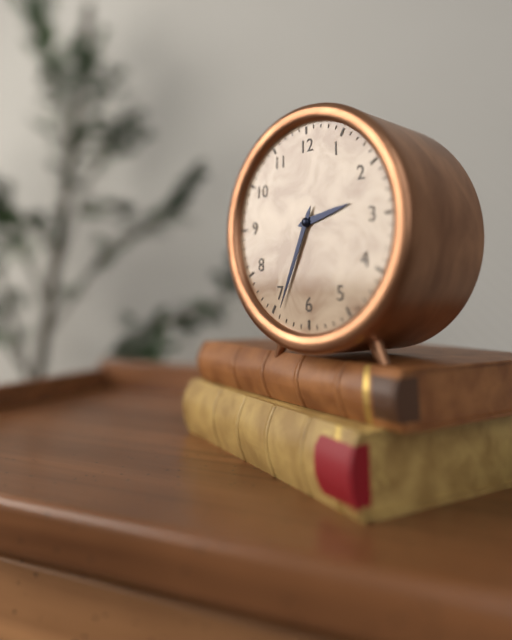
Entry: h=2 m=34
